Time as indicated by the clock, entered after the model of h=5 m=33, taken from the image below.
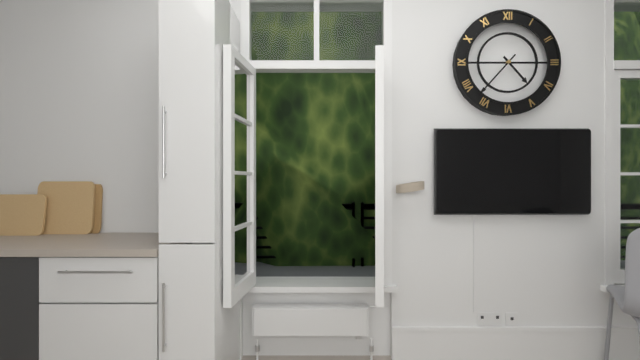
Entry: h=4 m=37
